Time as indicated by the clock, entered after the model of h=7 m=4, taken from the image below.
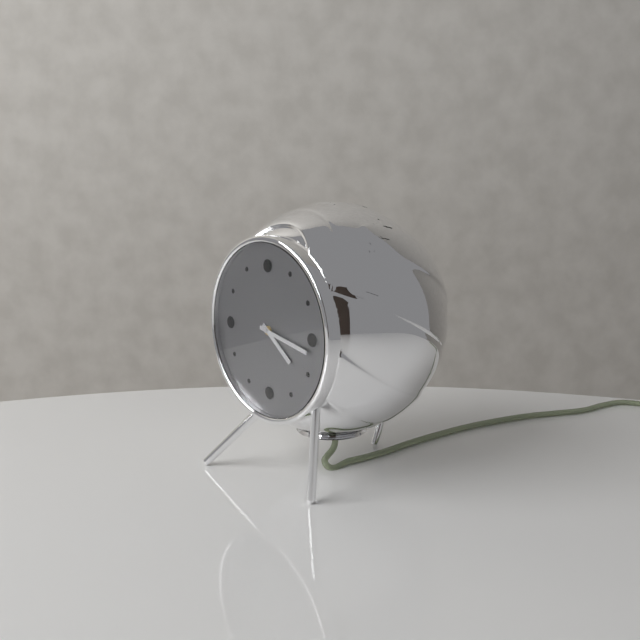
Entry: h=4 m=17
